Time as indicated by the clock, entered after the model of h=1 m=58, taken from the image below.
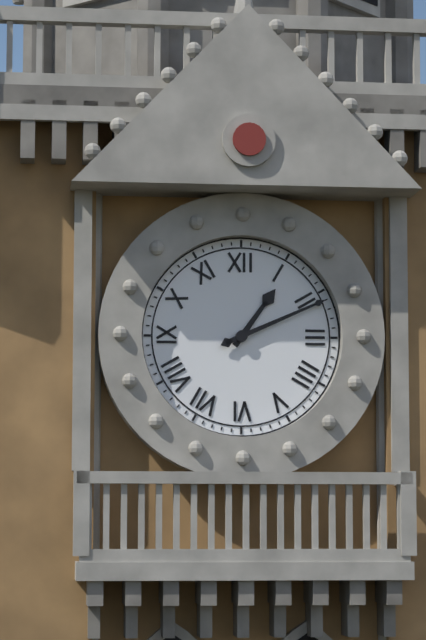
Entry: h=1 m=11
